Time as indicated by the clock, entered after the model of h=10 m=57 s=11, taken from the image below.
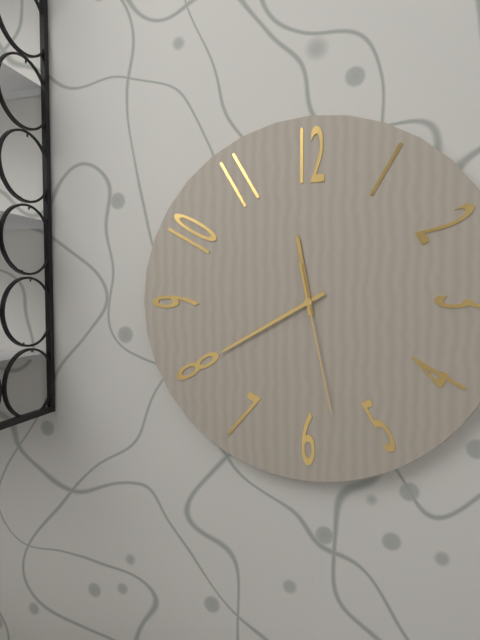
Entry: h=11 m=40 s=28
